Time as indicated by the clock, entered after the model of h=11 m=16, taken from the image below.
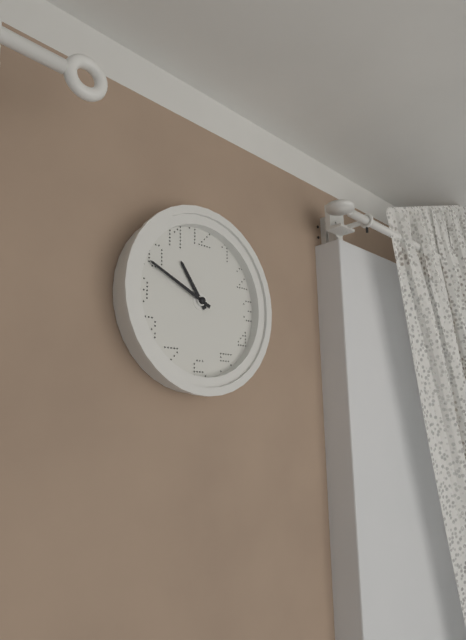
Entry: h=10 m=49
